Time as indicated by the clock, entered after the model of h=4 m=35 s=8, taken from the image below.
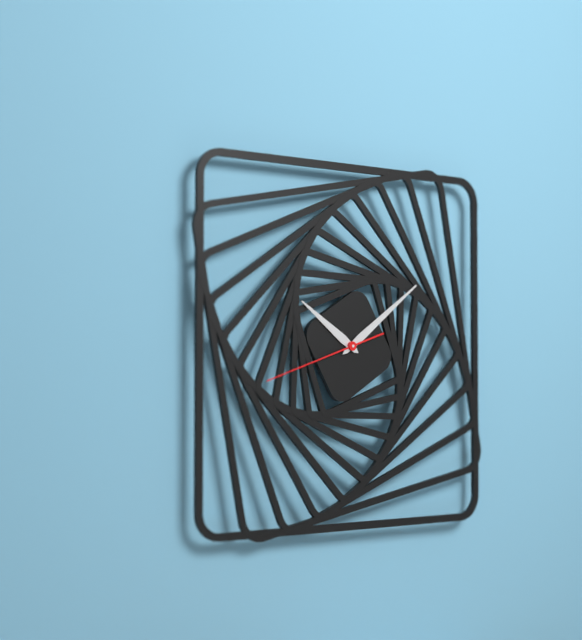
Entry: h=10 m=9 s=42
